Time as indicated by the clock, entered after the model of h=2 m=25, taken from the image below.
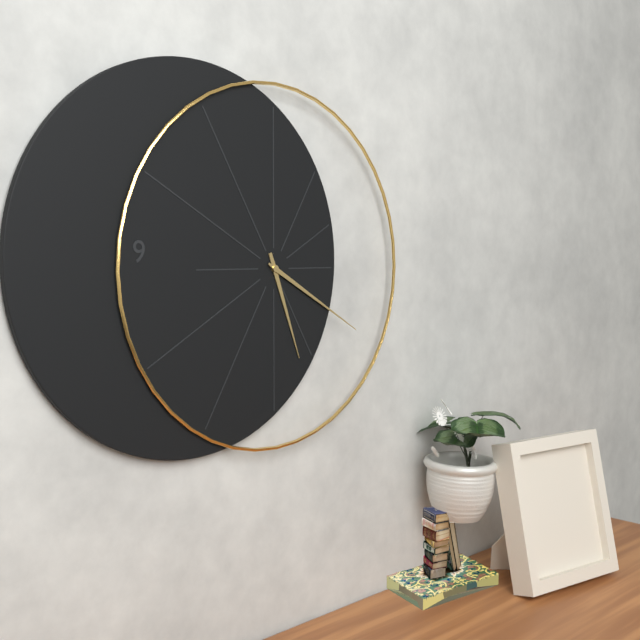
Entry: h=5 m=20
